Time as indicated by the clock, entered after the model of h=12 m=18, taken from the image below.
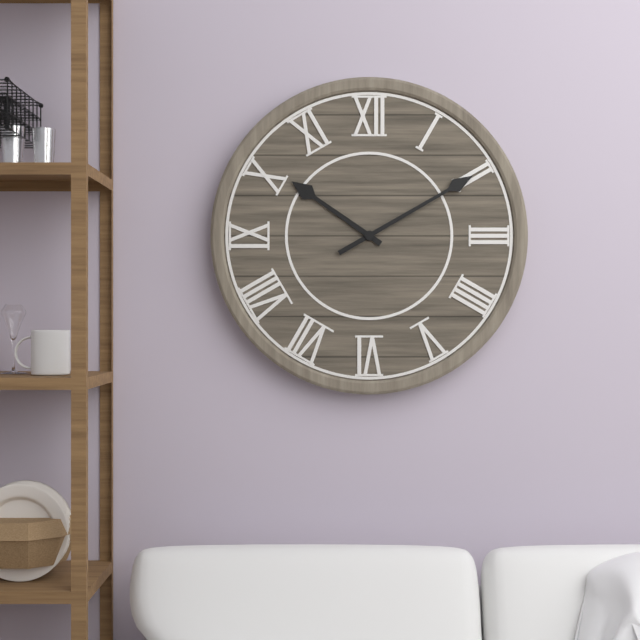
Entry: h=10 m=10
